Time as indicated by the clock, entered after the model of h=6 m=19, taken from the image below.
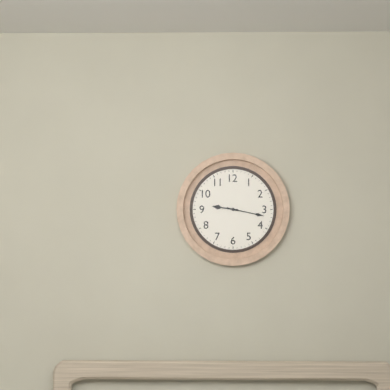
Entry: h=9 m=17
